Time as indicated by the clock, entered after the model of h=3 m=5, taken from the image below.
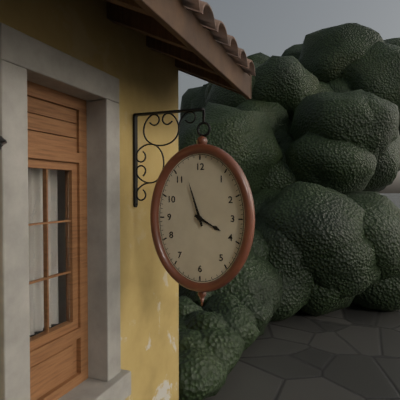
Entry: h=3 m=57
